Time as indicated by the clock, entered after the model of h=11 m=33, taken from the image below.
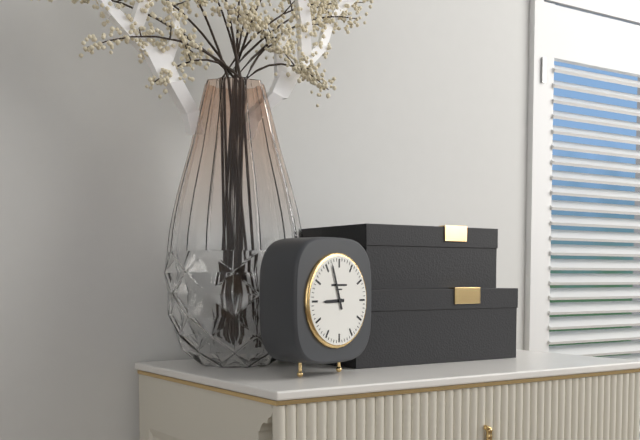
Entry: h=8 m=57
